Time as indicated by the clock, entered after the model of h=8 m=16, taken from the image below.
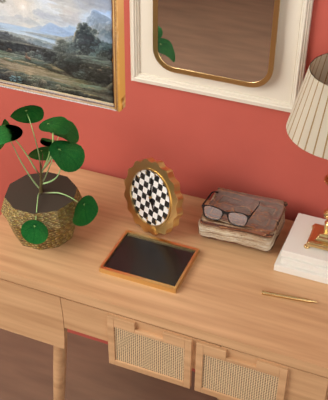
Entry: h=4 m=59
